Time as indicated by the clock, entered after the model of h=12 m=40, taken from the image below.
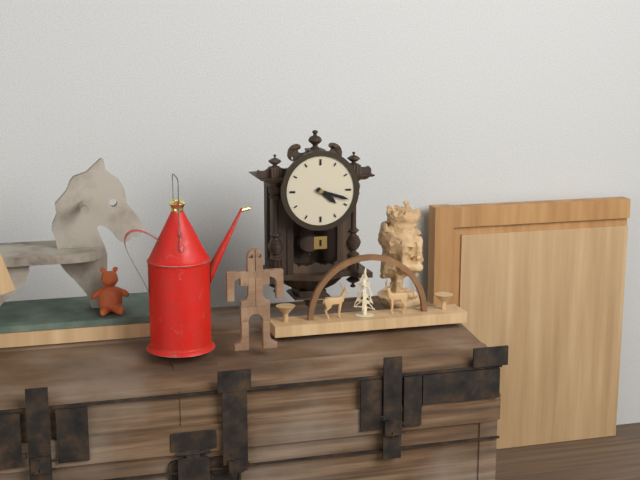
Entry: h=4 m=18
